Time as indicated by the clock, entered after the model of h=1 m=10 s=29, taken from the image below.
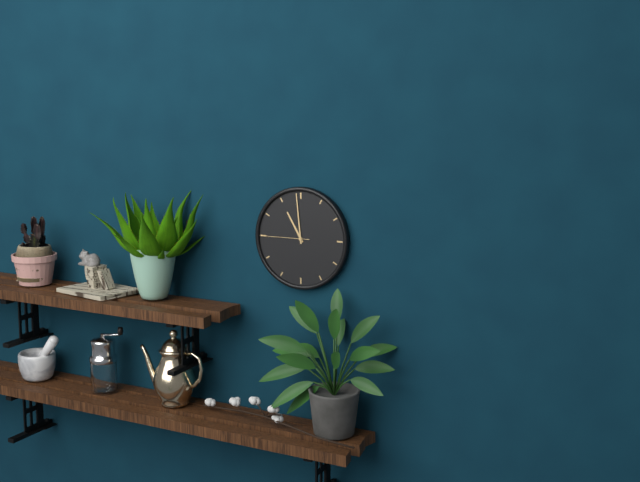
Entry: h=10 m=59 s=45
